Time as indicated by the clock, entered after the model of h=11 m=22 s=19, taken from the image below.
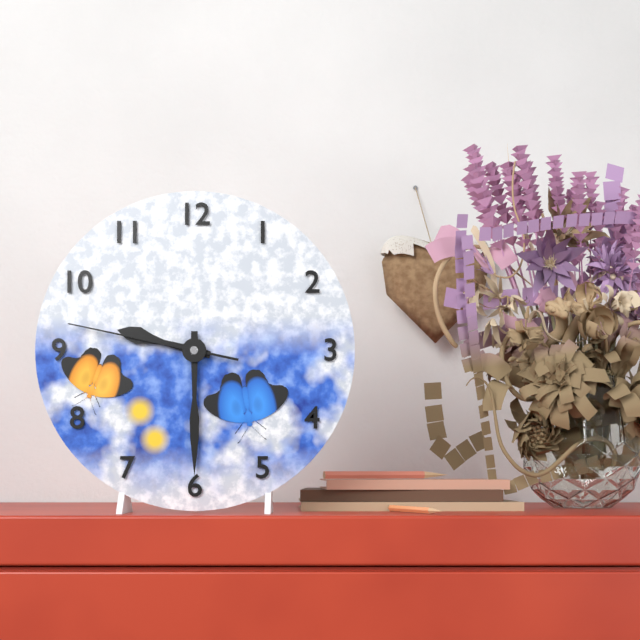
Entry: h=9 m=30 s=47
